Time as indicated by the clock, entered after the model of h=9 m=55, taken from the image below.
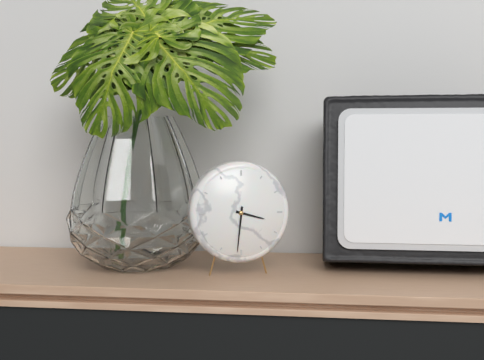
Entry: h=3 m=31
